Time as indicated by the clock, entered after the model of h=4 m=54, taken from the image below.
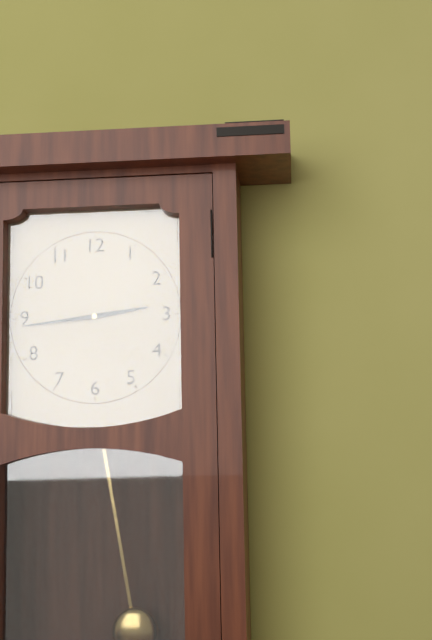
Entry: h=2 m=44
